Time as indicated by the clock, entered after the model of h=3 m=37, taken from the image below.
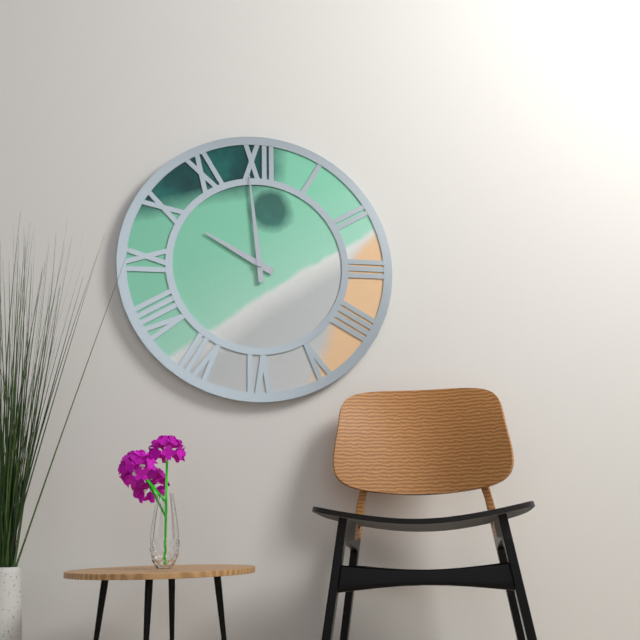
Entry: h=9 m=59
